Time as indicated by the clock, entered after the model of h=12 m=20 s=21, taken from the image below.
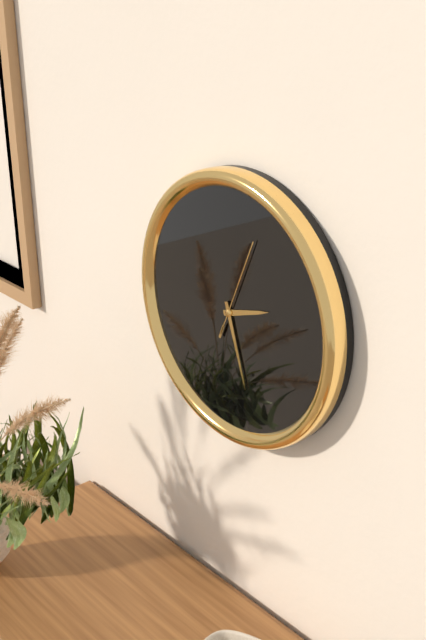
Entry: h=2 m=27 s=4
